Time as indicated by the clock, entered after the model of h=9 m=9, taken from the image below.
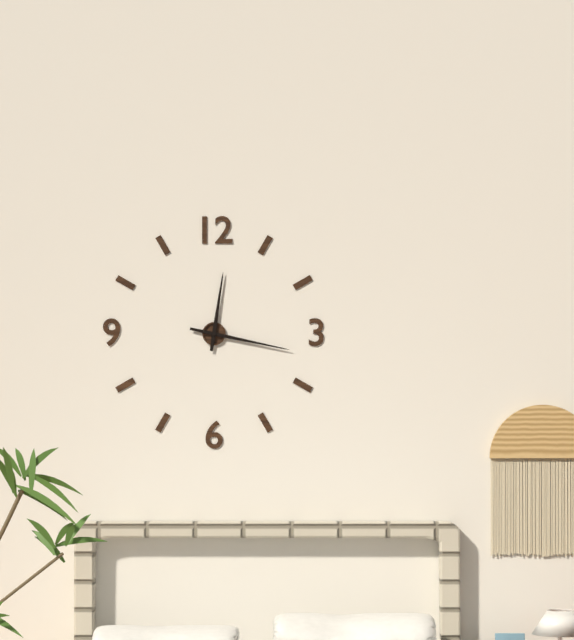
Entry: h=12 m=17
